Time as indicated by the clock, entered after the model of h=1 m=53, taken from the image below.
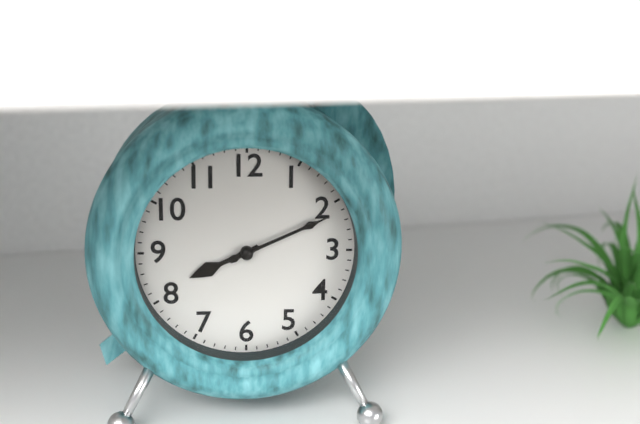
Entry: h=8 m=11
